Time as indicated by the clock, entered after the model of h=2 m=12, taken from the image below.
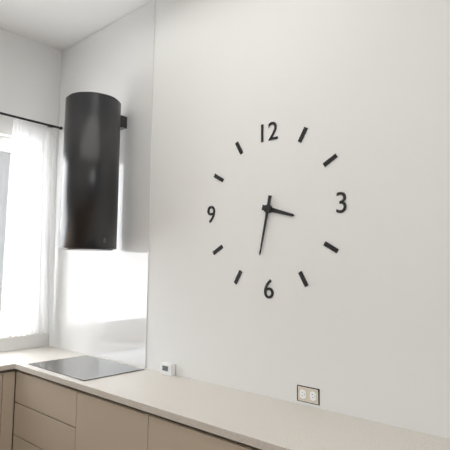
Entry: h=3 m=32
